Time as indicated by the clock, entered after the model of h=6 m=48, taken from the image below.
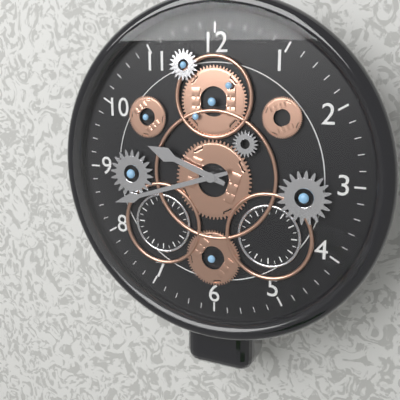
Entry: h=9 m=42
